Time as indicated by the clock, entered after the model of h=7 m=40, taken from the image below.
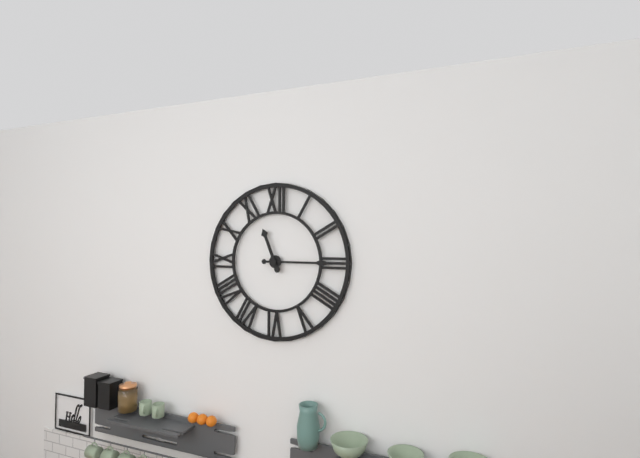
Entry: h=11 m=15
